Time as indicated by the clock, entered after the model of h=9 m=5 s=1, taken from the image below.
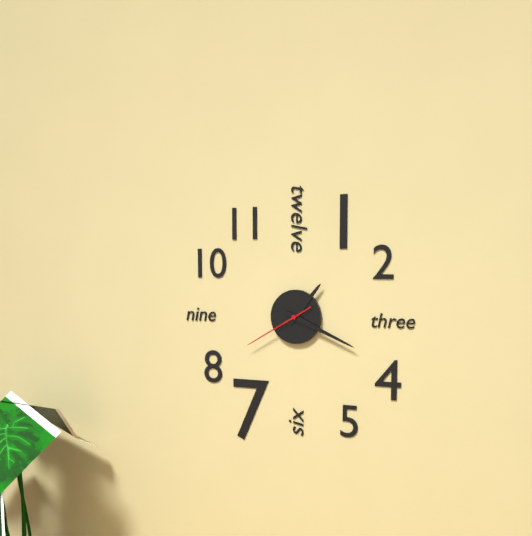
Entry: h=1 m=19 s=40
